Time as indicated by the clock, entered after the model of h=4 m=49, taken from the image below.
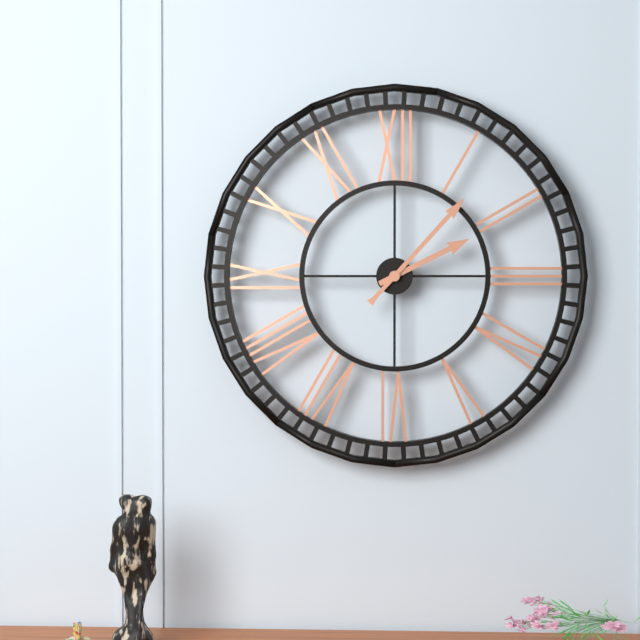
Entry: h=2 m=7
